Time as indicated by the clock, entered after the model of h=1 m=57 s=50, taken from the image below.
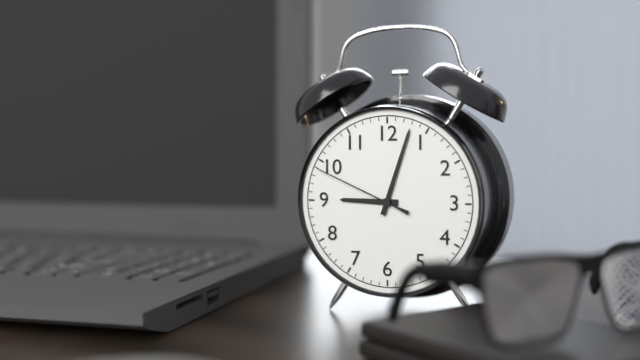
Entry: h=9 m=3 s=49
